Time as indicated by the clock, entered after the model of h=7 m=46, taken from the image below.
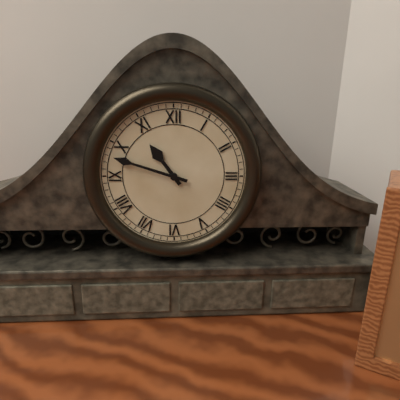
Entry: h=10 m=48
